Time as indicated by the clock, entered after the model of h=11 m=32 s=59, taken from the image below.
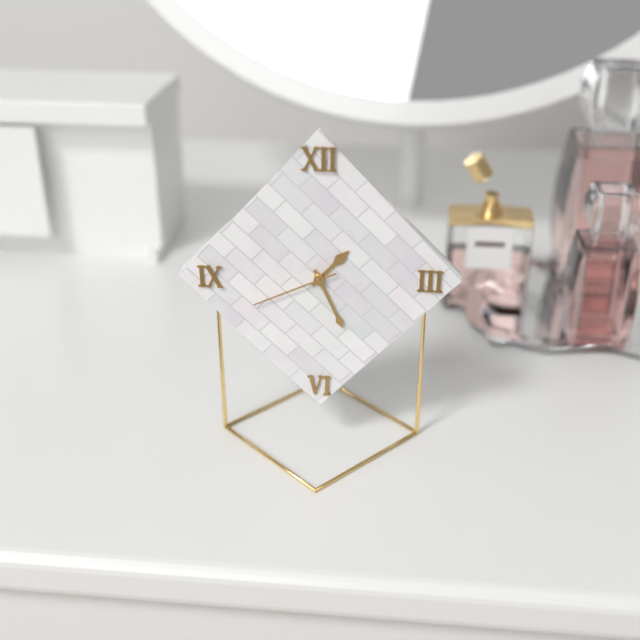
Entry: h=1 m=26 s=41
